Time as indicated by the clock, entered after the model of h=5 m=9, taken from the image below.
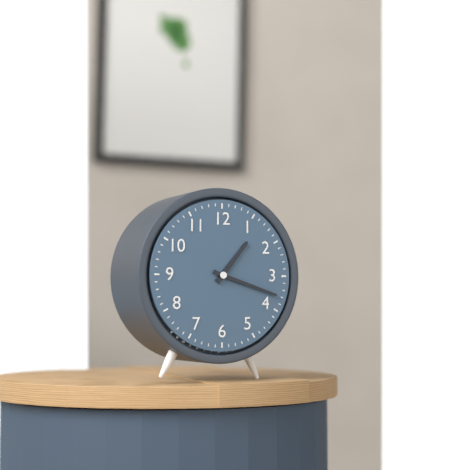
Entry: h=1 m=18
